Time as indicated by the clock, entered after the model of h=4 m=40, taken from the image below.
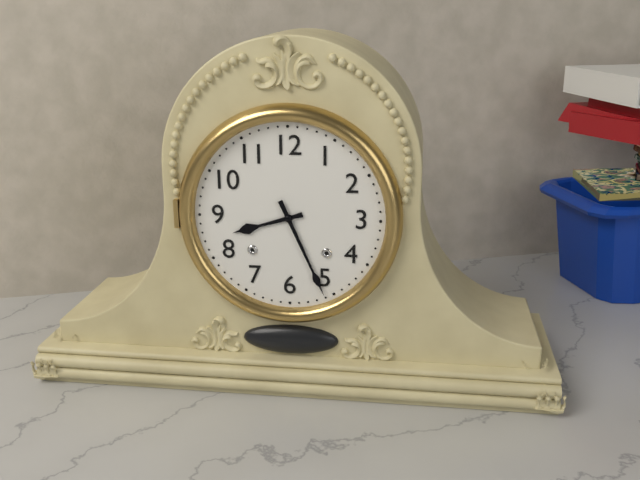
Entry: h=8 m=26
